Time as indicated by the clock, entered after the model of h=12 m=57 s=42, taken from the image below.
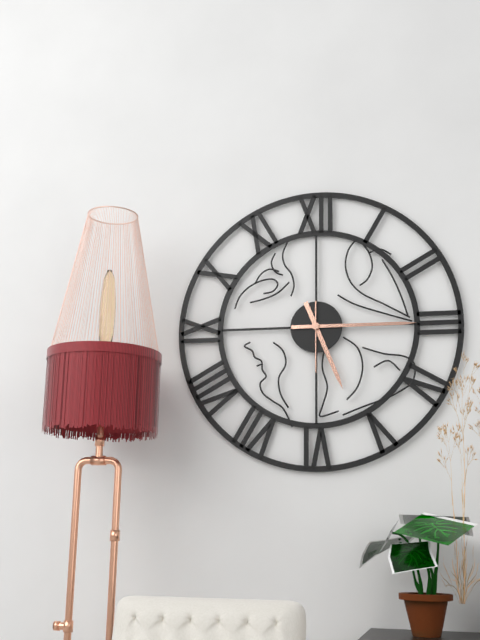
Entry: h=5 m=15 s=30
